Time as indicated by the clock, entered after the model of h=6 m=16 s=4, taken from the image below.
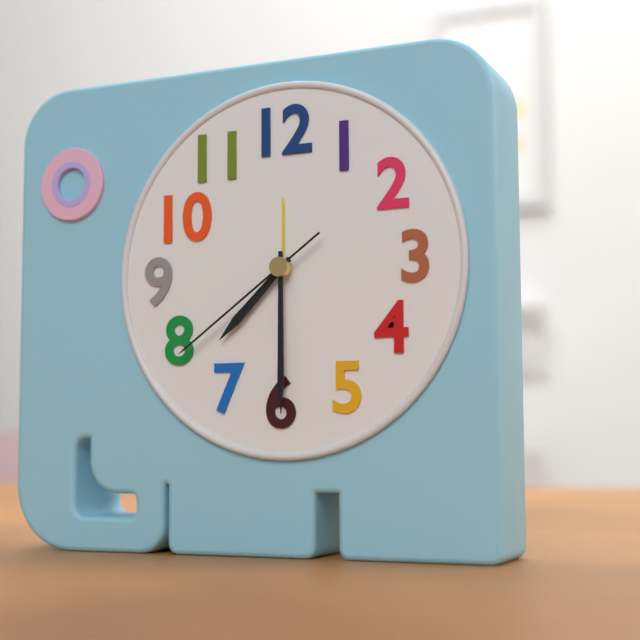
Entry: h=7 m=30 s=39
